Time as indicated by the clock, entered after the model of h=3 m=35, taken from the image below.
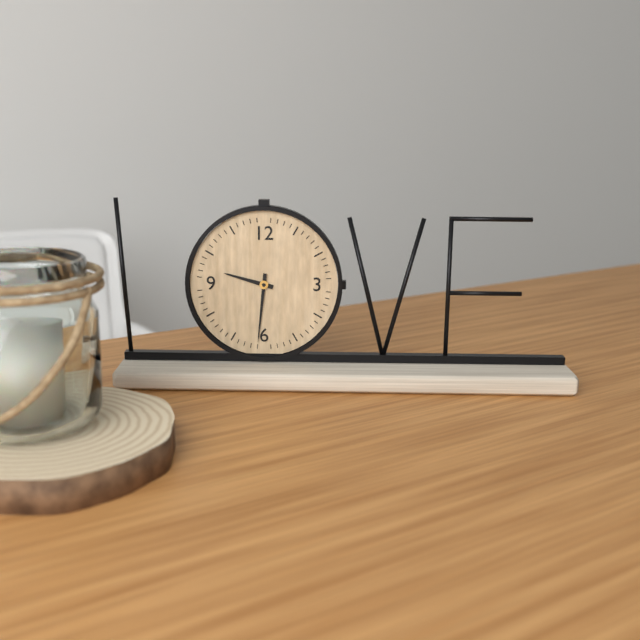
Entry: h=9 m=31
